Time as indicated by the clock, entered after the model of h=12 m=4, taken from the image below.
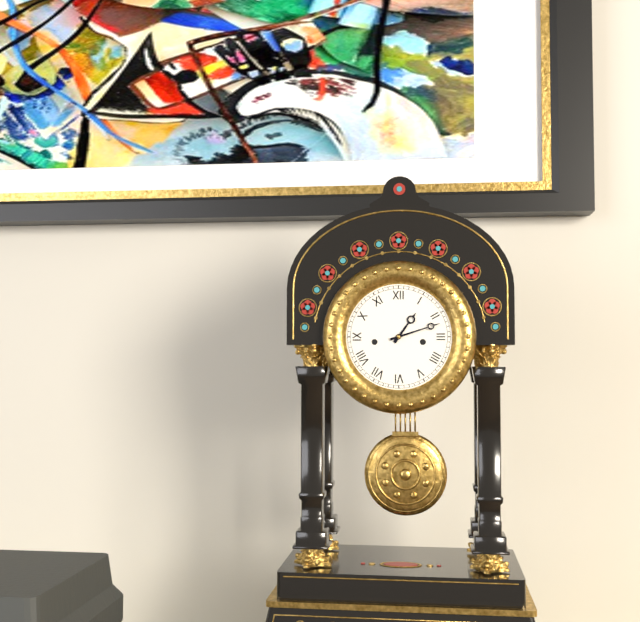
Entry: h=1 m=12
